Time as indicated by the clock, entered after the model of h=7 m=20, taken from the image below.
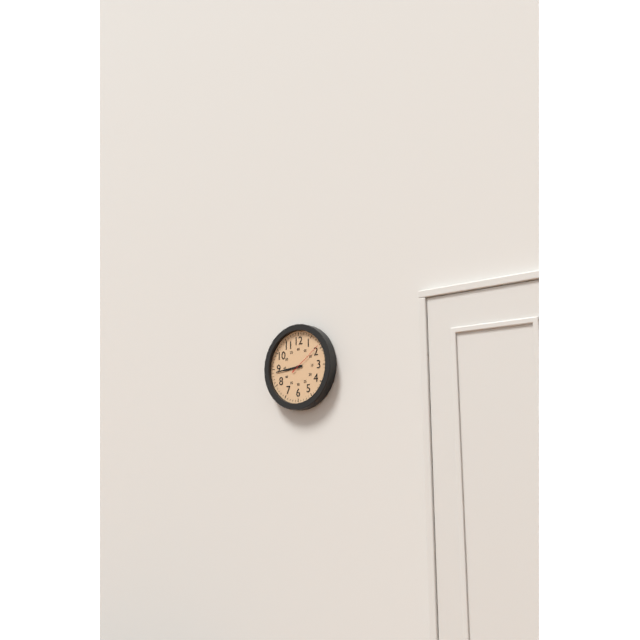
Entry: h=8 m=44
